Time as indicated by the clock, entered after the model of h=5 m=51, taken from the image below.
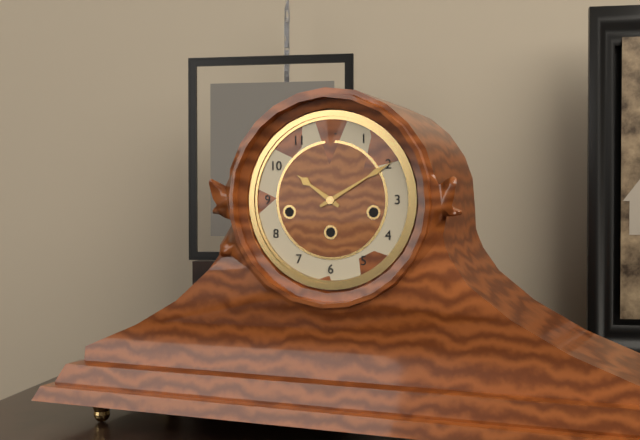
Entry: h=10 m=10
